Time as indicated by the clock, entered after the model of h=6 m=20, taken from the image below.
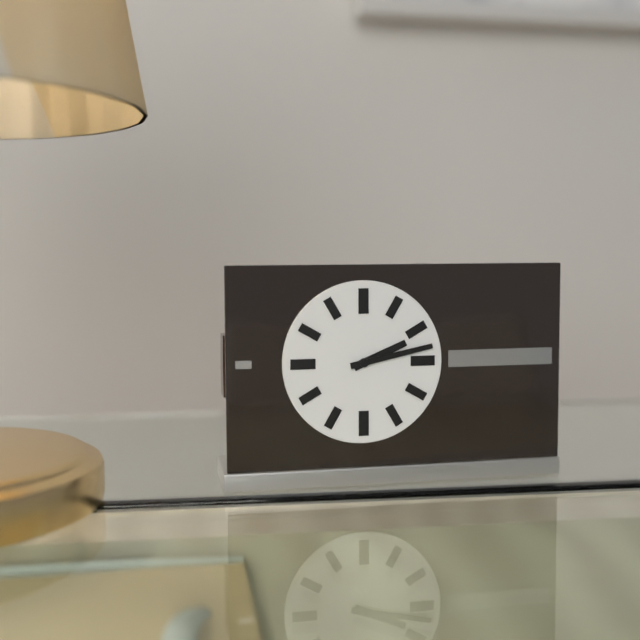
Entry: h=2 m=13
